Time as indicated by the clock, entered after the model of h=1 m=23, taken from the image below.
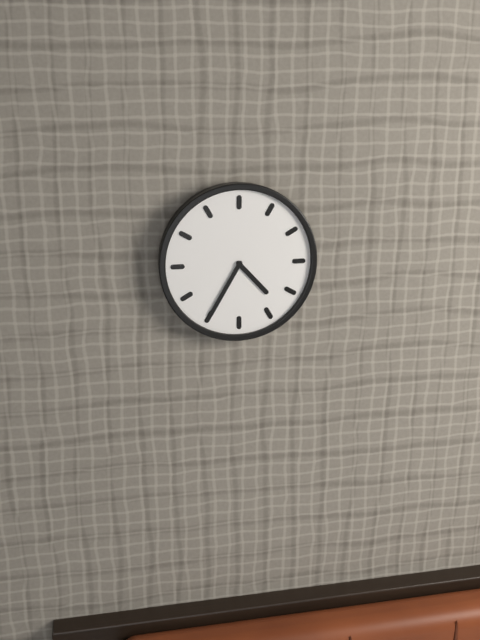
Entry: h=4 m=35
